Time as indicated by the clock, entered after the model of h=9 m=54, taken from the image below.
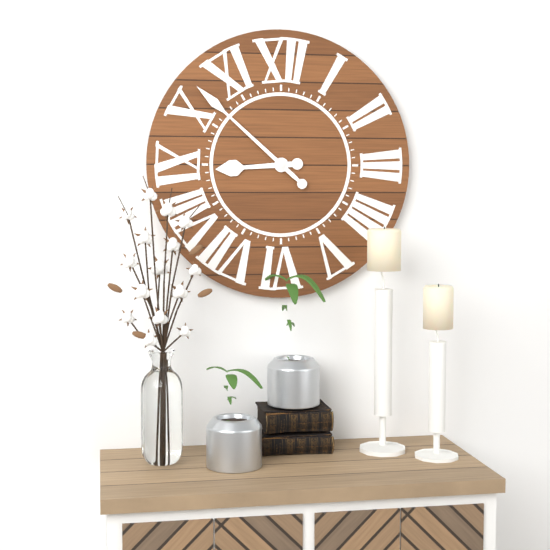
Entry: h=8 m=52
